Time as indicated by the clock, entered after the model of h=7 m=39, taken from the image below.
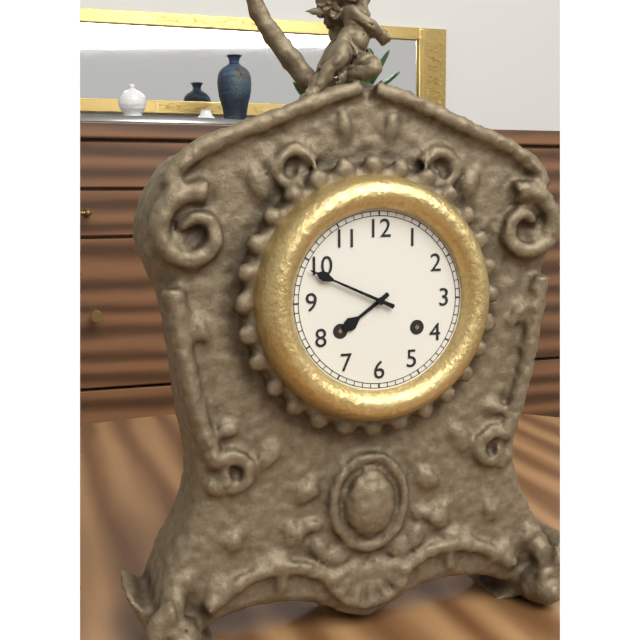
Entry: h=7 m=49
